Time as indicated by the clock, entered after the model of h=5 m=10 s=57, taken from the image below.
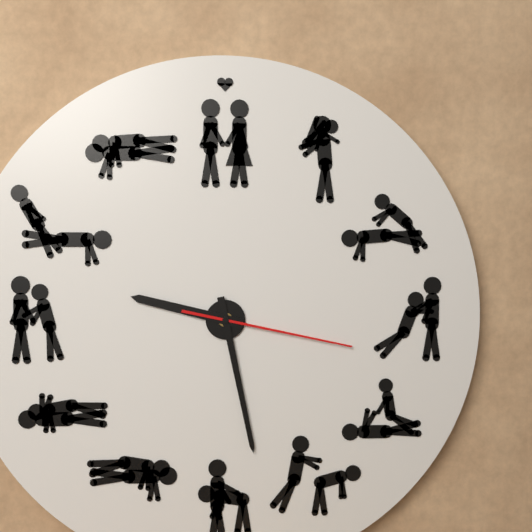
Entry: h=9 m=28 s=17
